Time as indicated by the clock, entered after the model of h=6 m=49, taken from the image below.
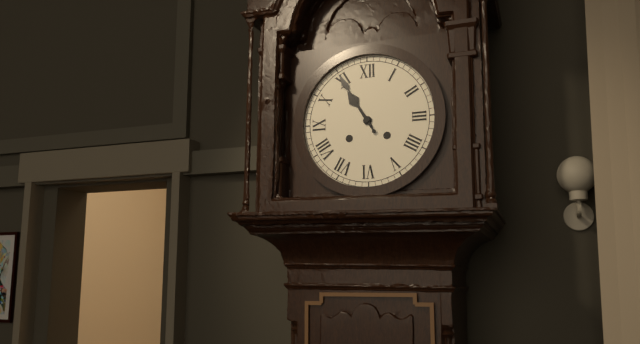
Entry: h=10 m=55
